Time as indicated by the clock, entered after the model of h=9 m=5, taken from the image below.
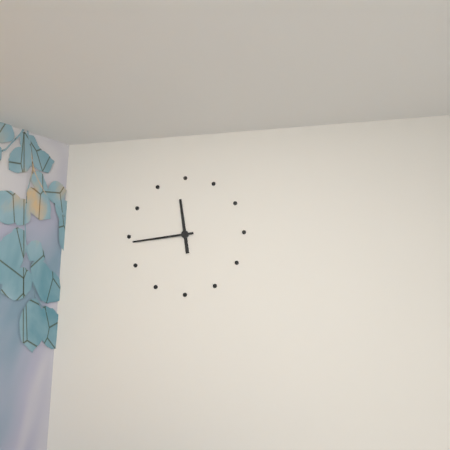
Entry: h=11 m=44
